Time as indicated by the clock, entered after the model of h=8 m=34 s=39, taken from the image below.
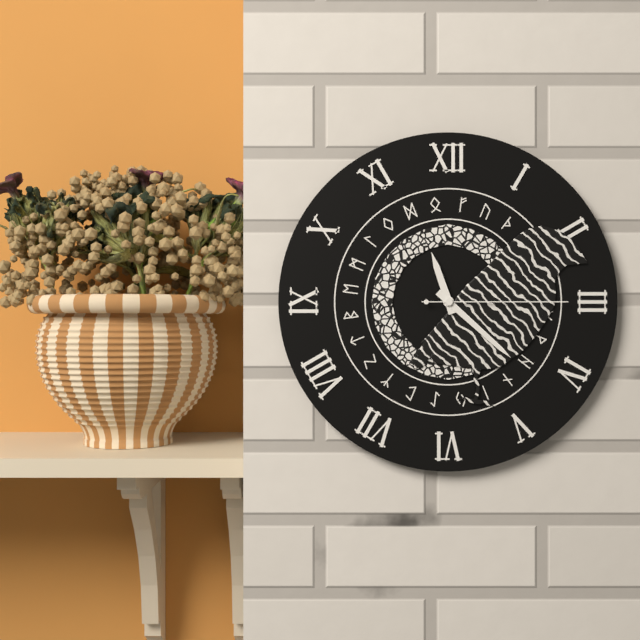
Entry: h=11 m=22 s=15
